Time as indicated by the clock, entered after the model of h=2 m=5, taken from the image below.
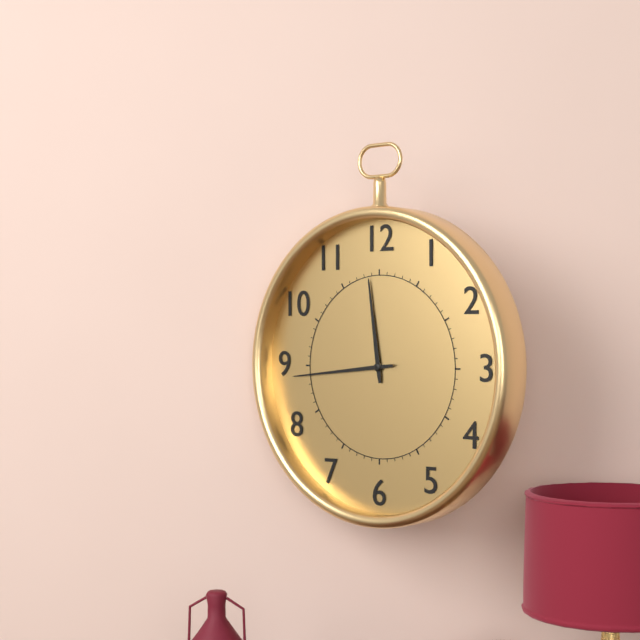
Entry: h=11 m=44
